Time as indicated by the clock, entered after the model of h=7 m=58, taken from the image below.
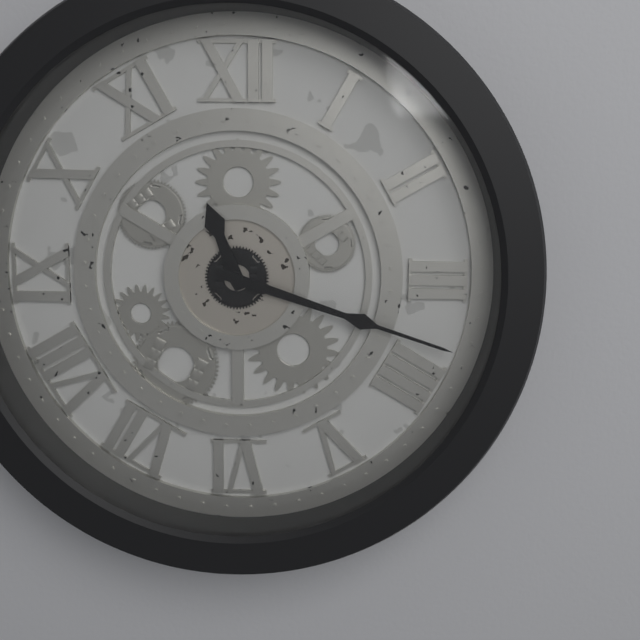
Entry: h=11 m=18
